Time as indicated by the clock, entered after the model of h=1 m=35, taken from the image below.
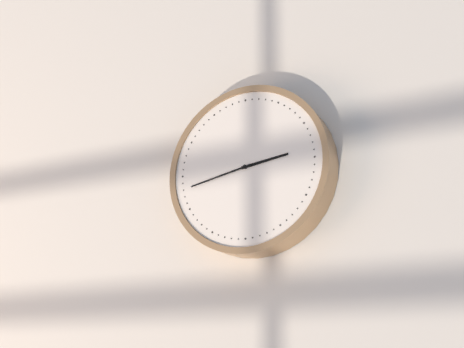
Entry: h=2 m=43
